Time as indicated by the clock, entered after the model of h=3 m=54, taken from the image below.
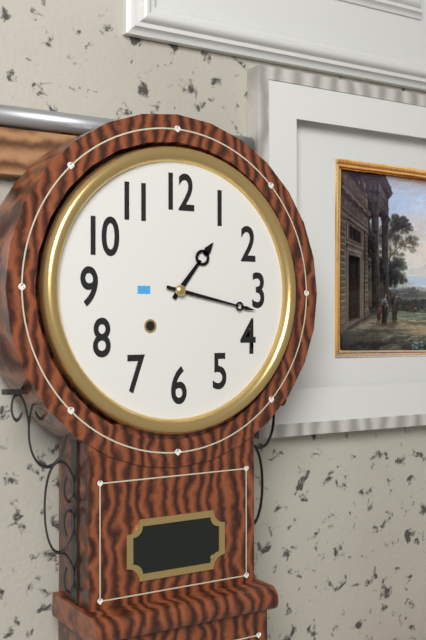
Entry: h=1 m=17
